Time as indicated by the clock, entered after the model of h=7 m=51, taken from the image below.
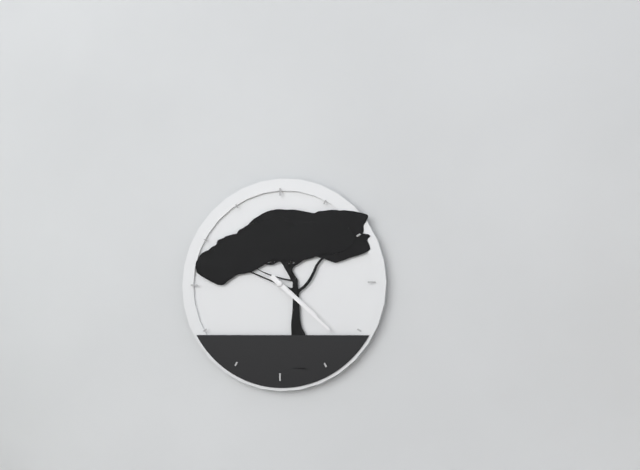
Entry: h=4 m=22
